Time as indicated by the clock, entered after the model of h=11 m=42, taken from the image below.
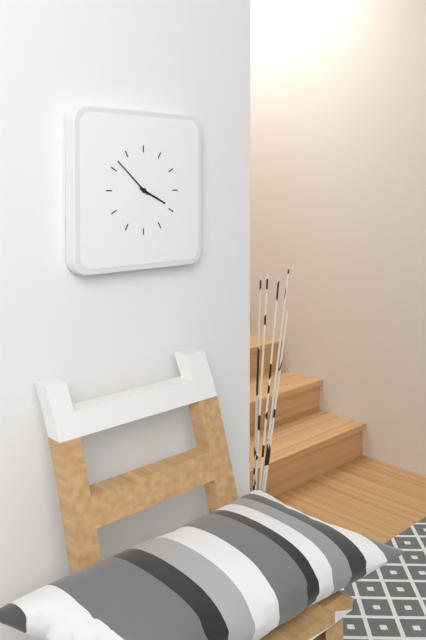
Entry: h=3 m=52
